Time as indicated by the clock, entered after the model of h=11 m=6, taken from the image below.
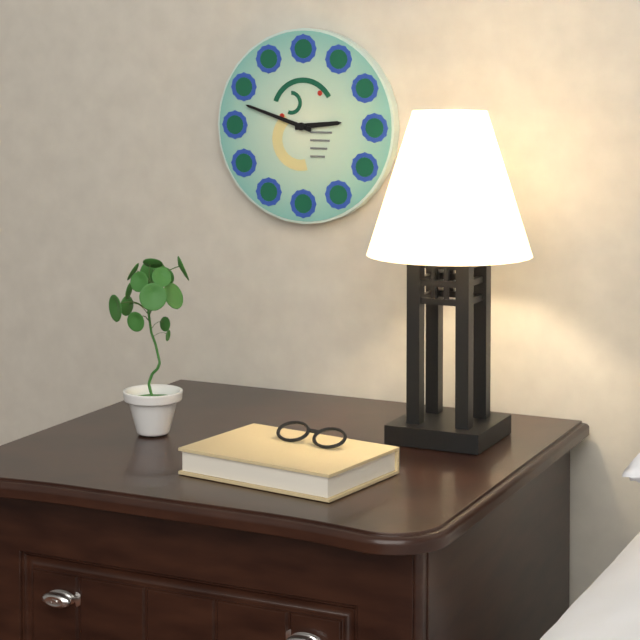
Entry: h=2 m=48
